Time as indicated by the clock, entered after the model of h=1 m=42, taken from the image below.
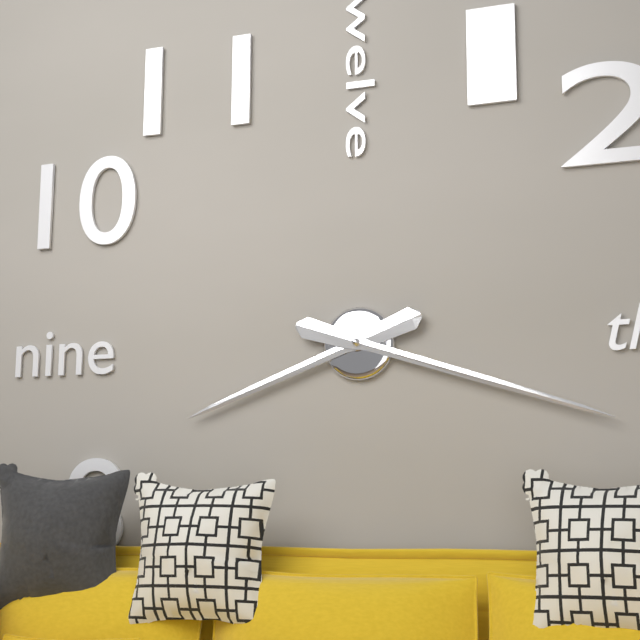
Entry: h=8 m=18
